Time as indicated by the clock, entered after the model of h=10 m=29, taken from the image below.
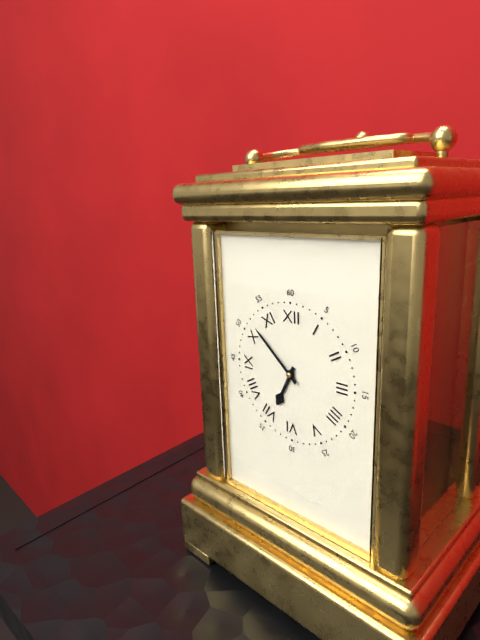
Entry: h=6 m=52
